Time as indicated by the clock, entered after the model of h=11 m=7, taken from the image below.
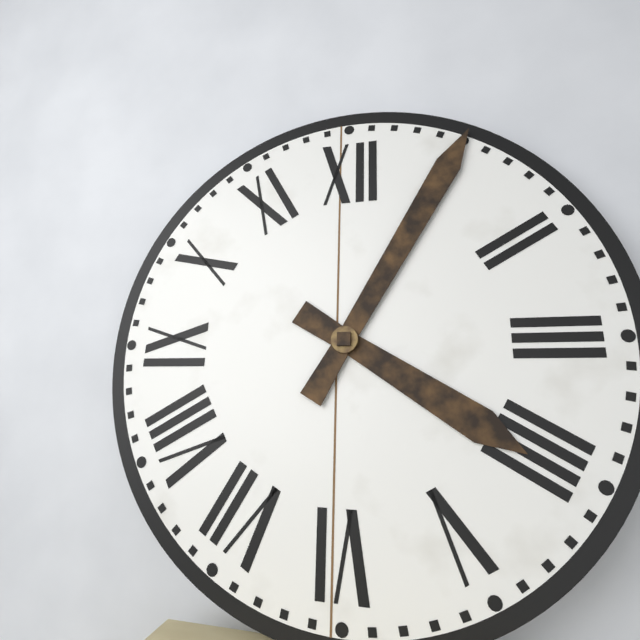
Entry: h=4 m=5
